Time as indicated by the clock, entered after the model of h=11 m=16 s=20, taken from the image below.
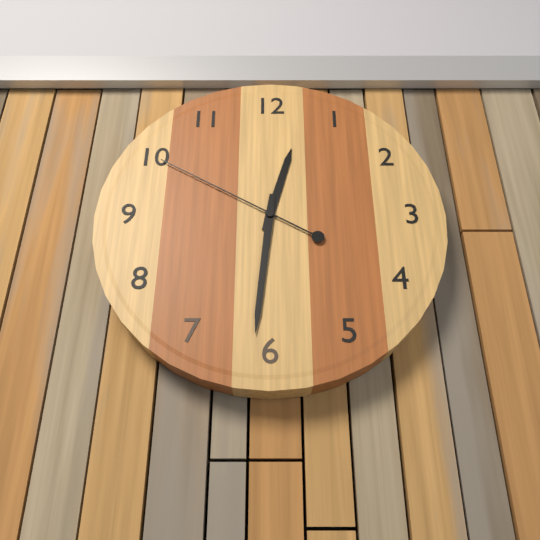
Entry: h=12 m=31 s=50
